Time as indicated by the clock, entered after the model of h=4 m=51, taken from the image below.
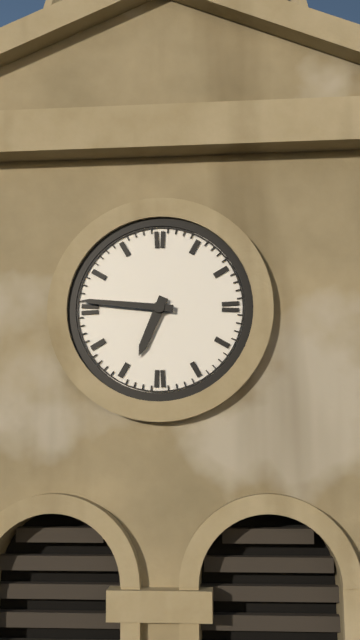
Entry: h=6 m=46
